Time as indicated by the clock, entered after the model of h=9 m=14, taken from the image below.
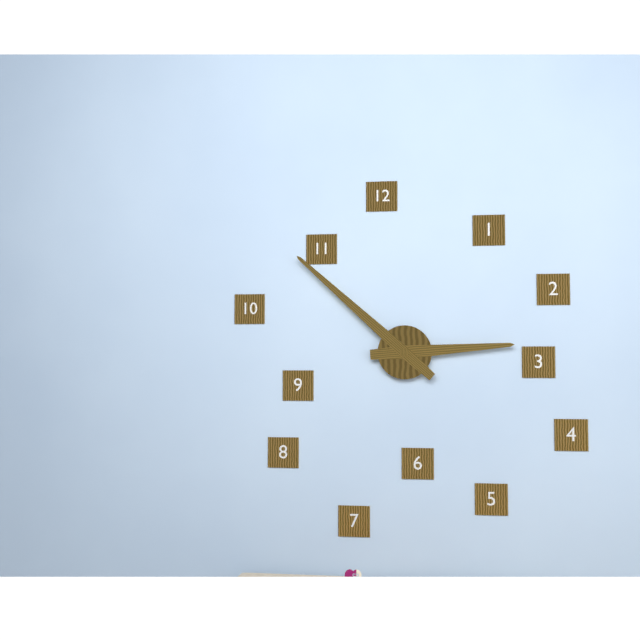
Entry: h=2 m=52
